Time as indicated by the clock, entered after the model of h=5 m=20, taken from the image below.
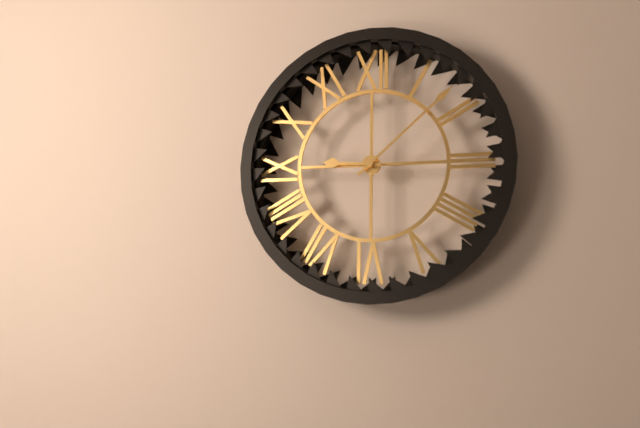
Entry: h=9 m=8
